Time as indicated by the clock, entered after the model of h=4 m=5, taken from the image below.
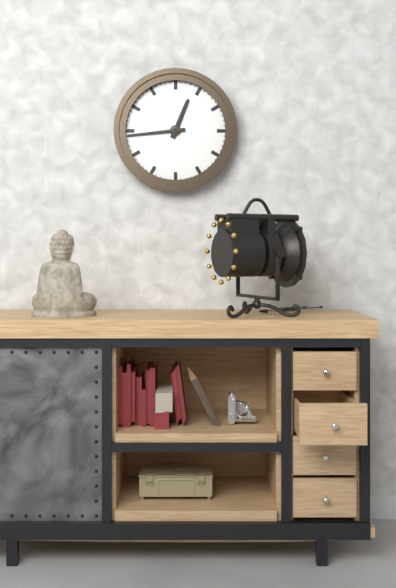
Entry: h=12 m=44
